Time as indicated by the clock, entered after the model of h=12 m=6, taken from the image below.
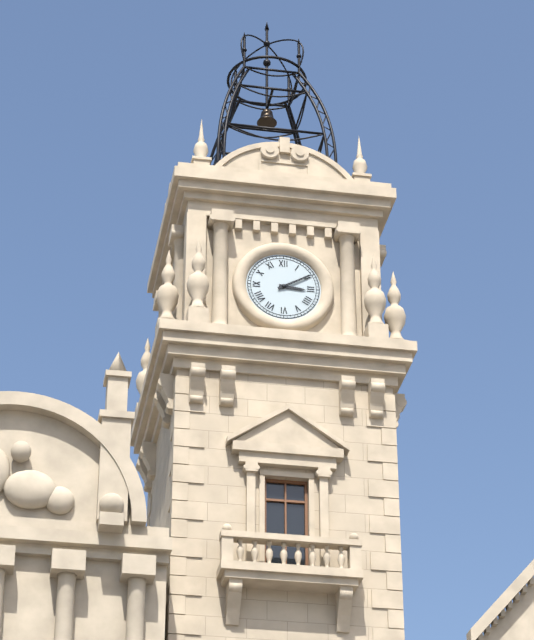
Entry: h=3 m=10
